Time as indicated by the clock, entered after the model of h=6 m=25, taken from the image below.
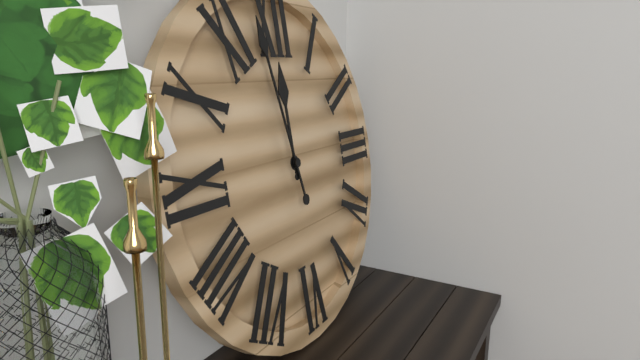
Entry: h=11 m=58
